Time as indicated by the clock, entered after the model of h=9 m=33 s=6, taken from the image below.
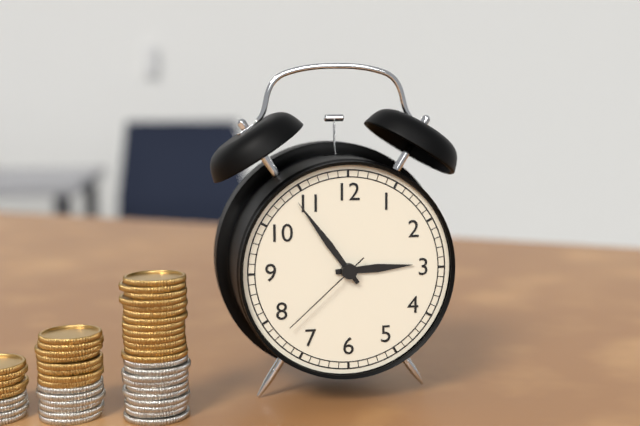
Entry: h=2 m=54 s=38
